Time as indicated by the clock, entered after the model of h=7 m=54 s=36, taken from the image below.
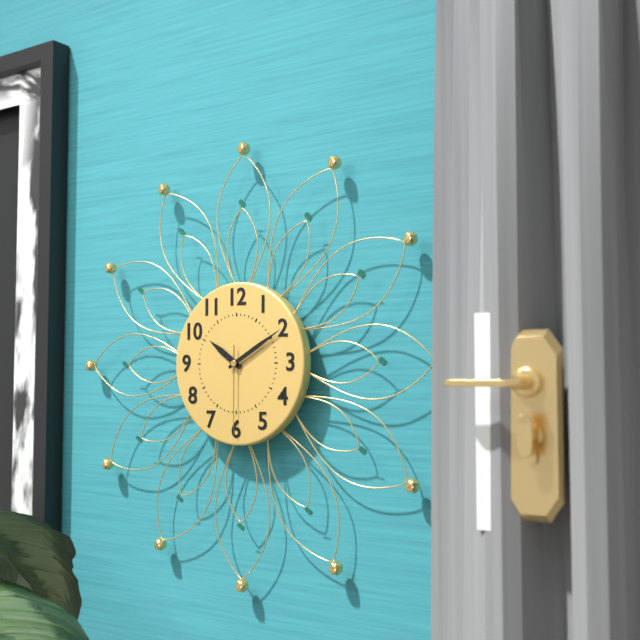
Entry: h=10 m=10 s=30
